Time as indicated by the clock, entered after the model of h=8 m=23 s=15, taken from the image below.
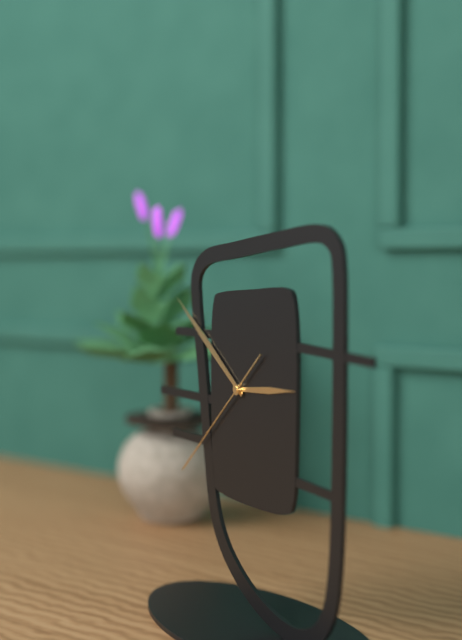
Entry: h=2 m=51 s=38
